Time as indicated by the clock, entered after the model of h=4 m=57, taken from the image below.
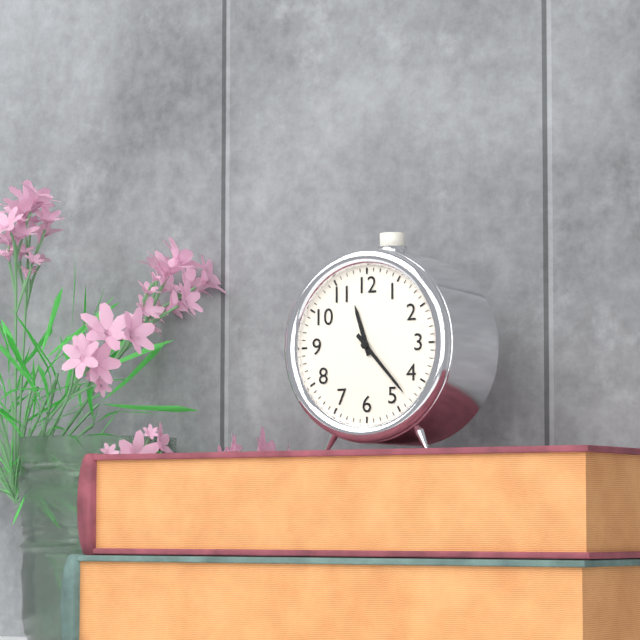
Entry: h=11 m=23
